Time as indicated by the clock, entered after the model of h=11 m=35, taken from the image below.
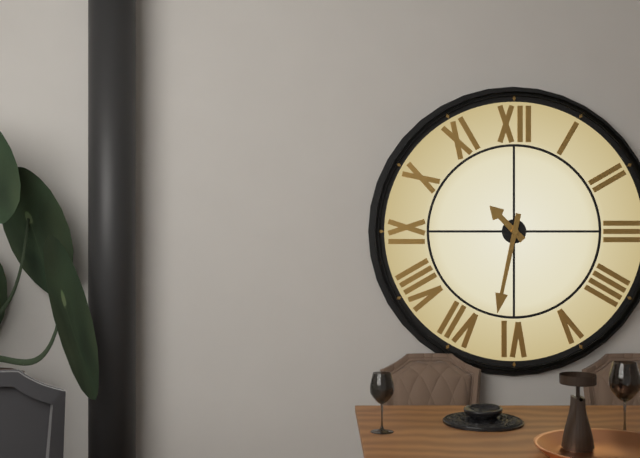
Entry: h=10 m=32
